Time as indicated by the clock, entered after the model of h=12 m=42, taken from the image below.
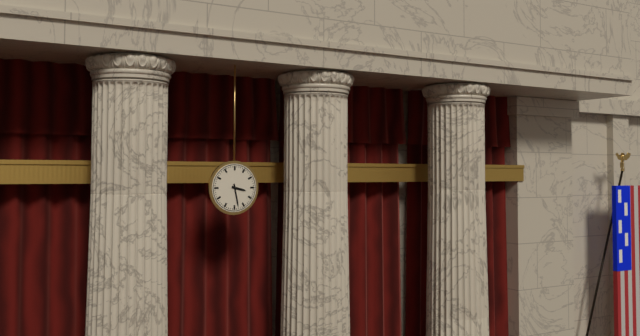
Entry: h=3 m=28
